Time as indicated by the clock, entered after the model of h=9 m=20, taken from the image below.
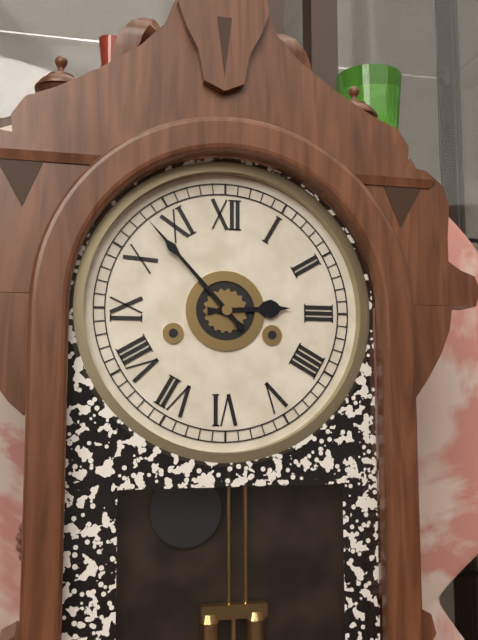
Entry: h=2 m=53
